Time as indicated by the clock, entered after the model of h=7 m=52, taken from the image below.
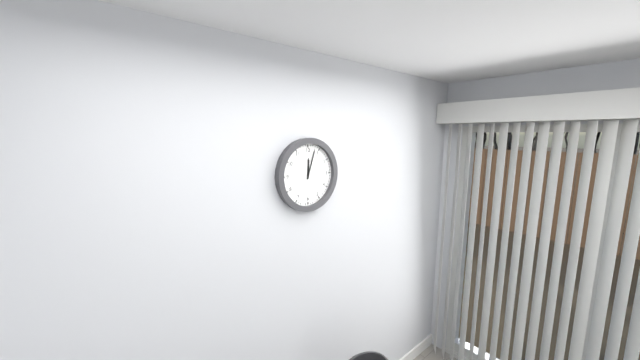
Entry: h=12 m=3
